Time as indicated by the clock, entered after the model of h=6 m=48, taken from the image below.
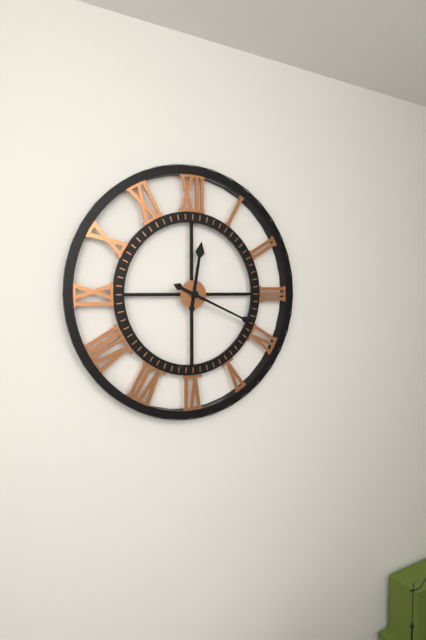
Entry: h=12 m=19
